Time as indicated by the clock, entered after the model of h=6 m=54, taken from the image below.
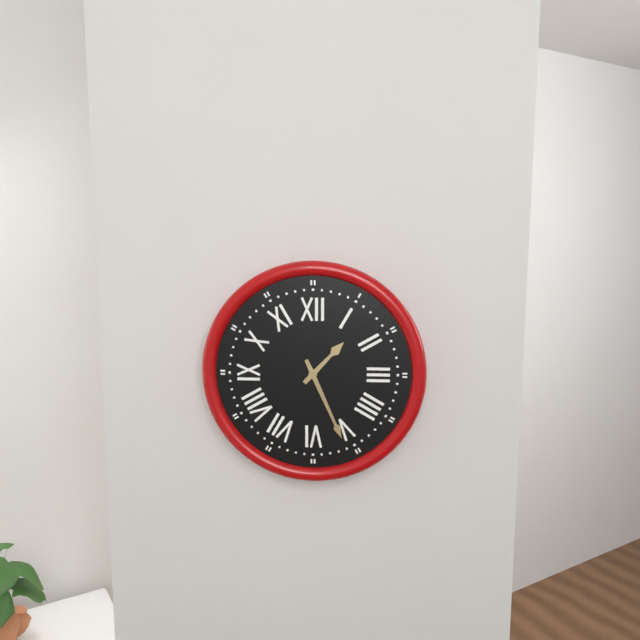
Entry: h=1 m=26
